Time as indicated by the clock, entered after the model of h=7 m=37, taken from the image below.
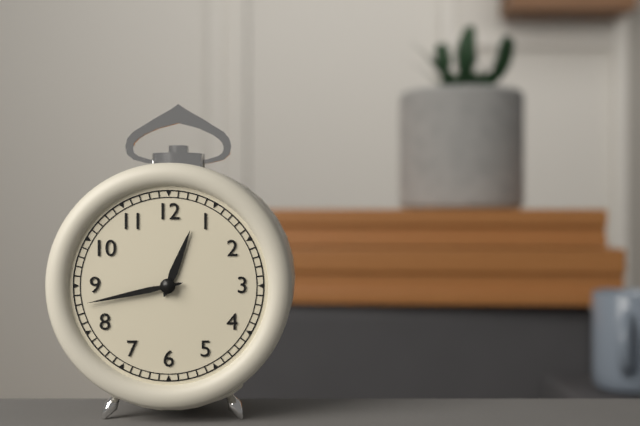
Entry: h=12 m=43
